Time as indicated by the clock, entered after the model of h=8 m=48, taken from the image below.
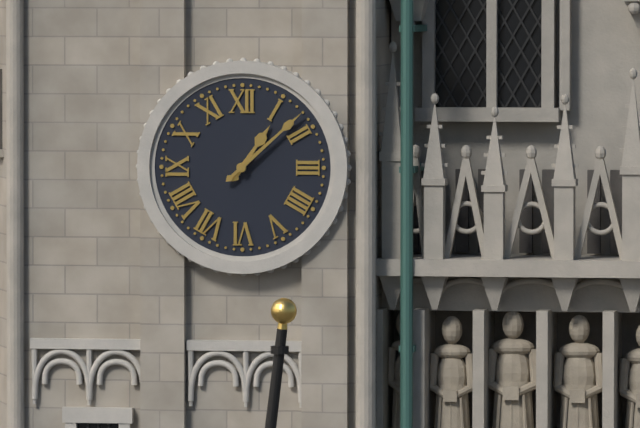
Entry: h=1 m=8
